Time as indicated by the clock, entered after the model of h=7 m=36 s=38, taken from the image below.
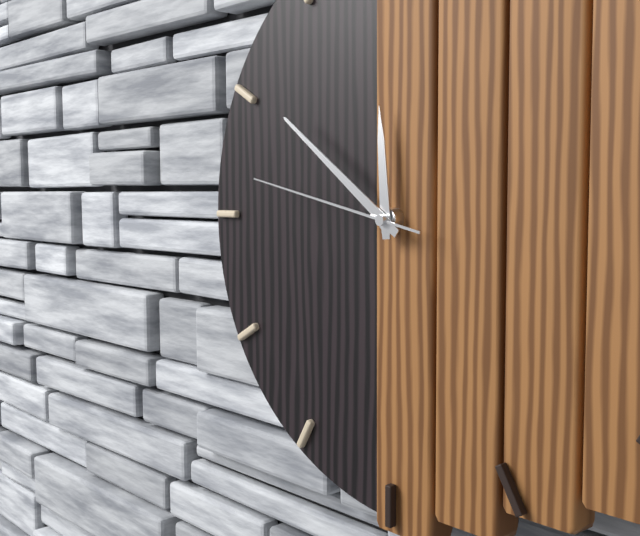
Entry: h=11 m=51 s=47
